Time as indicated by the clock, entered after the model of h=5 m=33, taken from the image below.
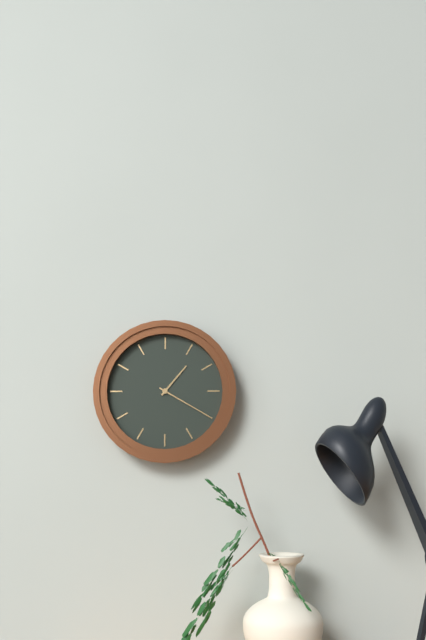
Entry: h=1 m=20
